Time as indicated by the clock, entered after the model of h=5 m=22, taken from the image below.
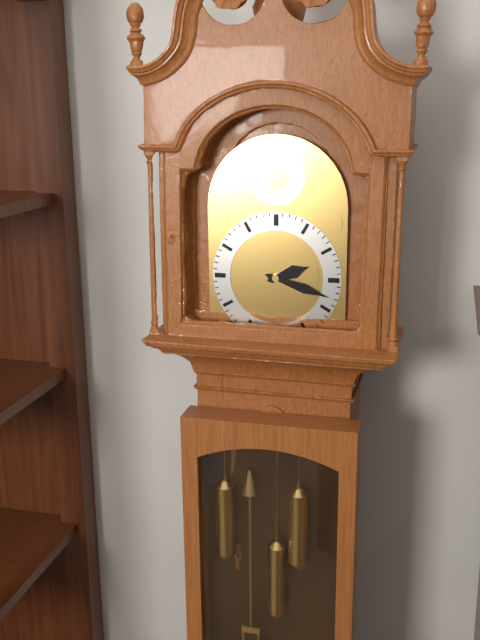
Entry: h=2 m=18
